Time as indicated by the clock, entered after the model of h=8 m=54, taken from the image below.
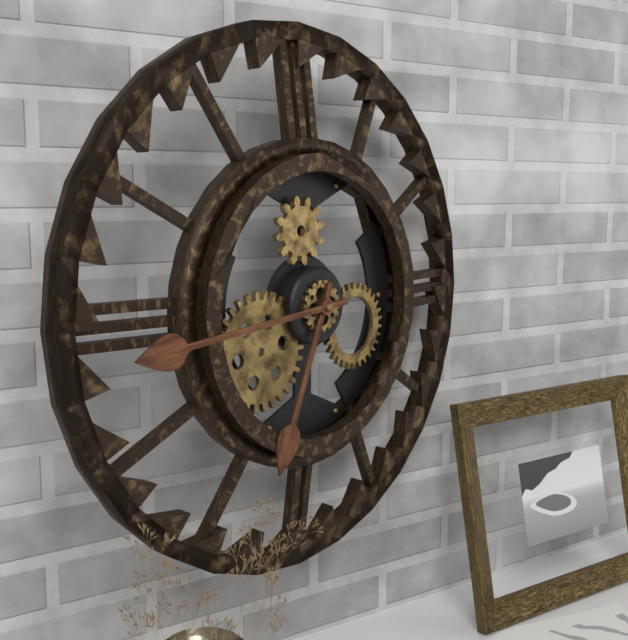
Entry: h=6 m=44
